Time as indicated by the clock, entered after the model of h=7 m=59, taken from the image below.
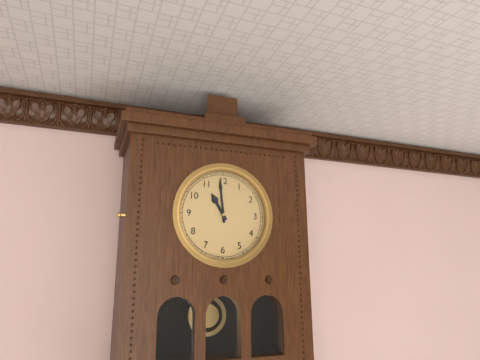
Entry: h=10 m=59
